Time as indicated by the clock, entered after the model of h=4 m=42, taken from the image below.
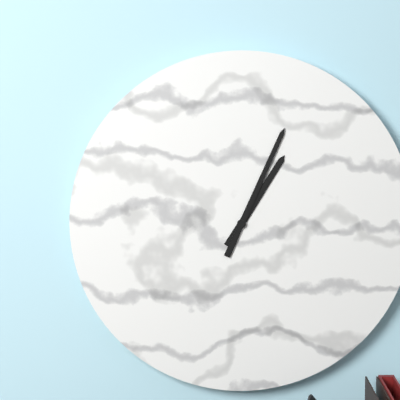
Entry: h=1 m=4
